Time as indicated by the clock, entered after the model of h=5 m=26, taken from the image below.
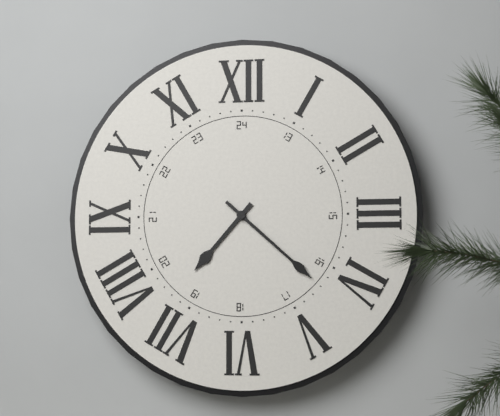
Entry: h=7 m=22
